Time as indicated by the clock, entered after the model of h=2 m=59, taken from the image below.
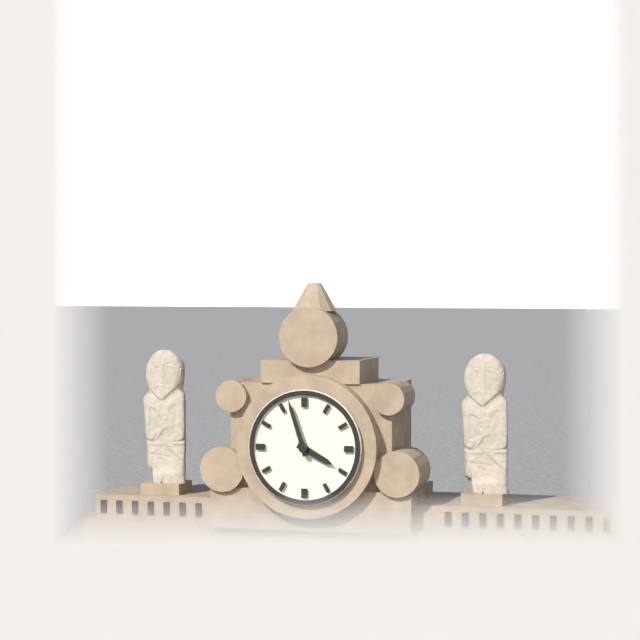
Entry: h=3 m=57
